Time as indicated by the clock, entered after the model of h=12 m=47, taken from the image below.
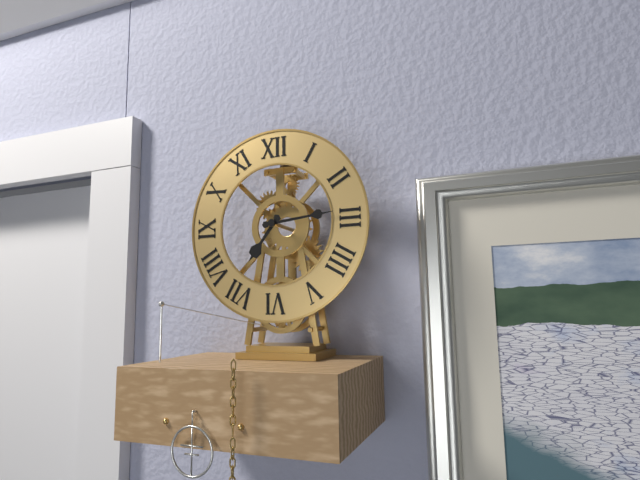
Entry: h=7 m=14
